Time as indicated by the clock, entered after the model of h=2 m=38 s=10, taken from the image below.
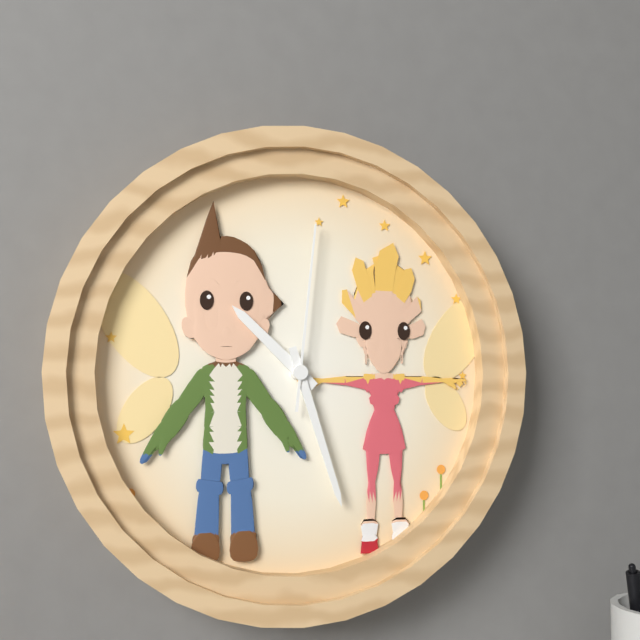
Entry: h=10 m=27 s=1
